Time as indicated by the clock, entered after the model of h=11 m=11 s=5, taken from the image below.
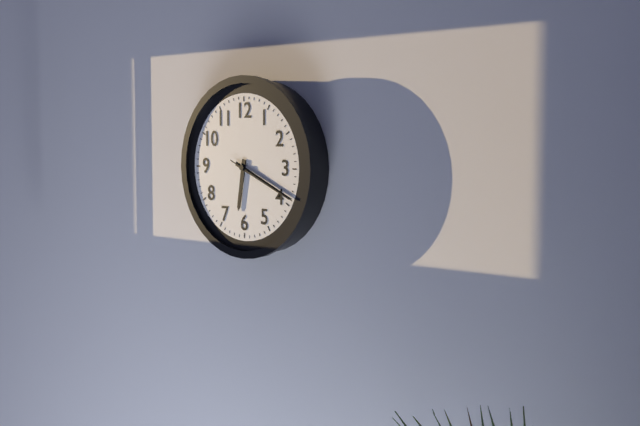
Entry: h=6 m=19 s=19
